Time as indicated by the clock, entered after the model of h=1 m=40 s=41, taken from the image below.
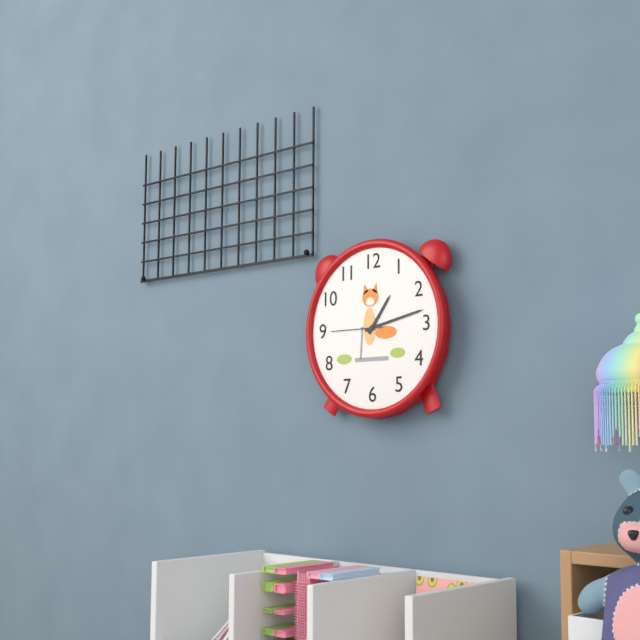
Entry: h=1 m=13 s=45
